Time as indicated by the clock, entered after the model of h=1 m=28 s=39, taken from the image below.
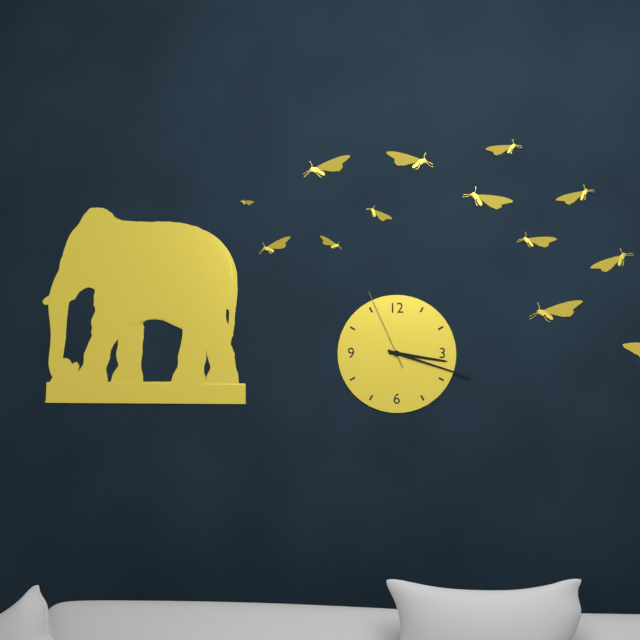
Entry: h=3 m=18 s=56
